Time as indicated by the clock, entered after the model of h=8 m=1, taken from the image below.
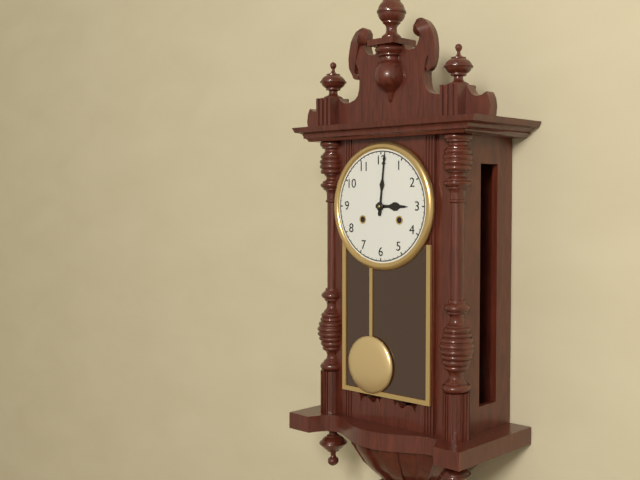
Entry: h=3 m=1
